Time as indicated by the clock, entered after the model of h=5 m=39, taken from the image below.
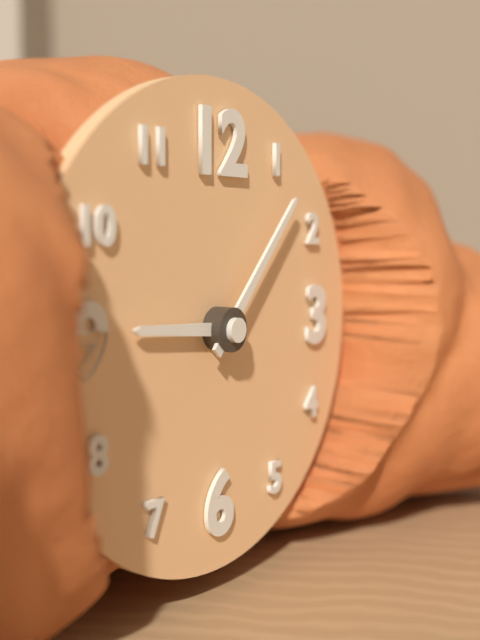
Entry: h=9 m=7
